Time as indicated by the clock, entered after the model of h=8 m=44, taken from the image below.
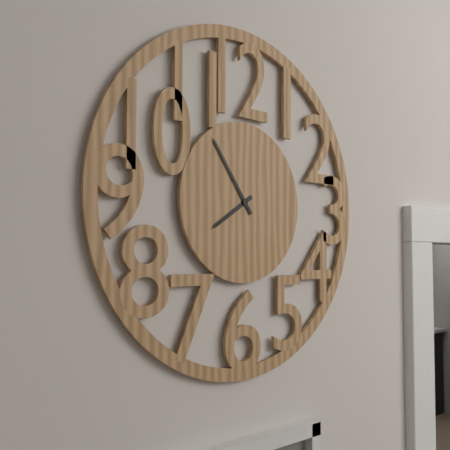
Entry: h=7 m=54
